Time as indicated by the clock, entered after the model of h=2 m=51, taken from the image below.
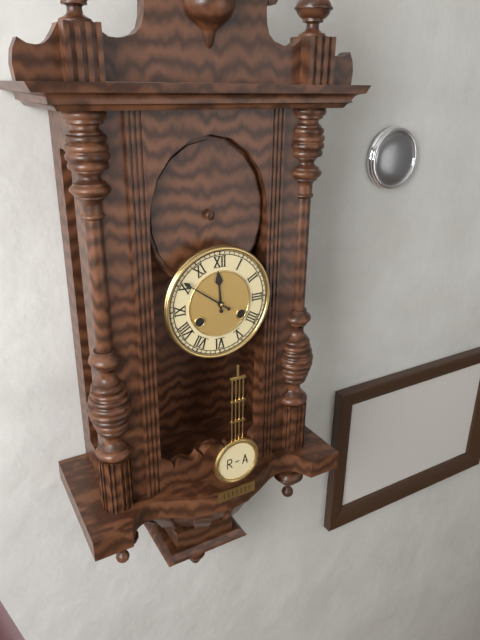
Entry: h=11 m=51
